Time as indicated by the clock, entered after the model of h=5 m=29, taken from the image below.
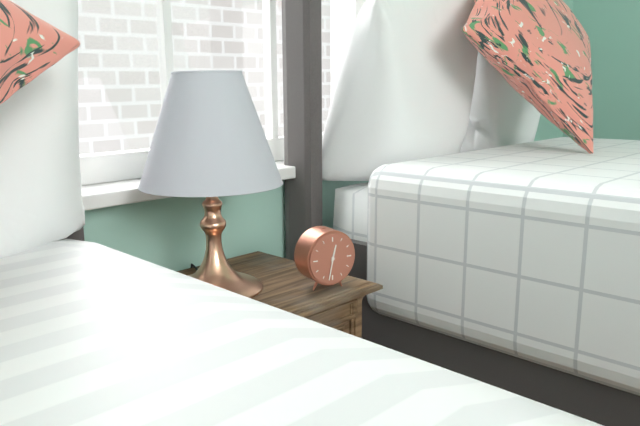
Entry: h=12 m=32
